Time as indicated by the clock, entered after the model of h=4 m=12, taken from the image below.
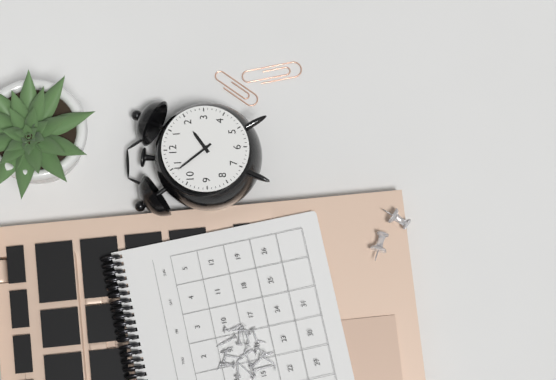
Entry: h=1 m=54
